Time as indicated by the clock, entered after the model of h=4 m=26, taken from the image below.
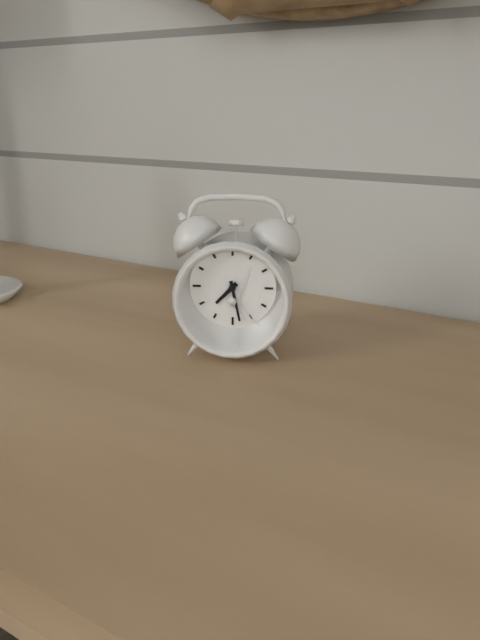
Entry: h=7 m=28
